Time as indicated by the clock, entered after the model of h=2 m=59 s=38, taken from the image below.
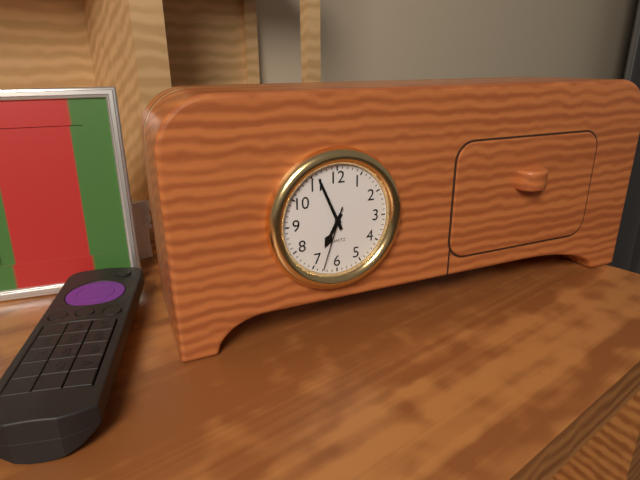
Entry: h=6 m=56 s=33
